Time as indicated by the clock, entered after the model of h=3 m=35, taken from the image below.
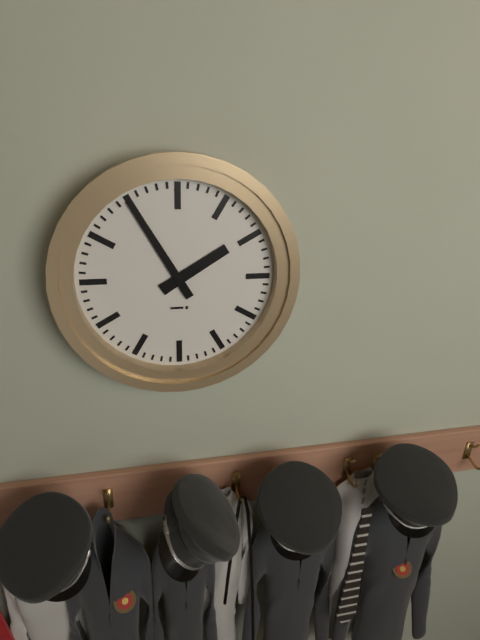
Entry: h=1 m=55
